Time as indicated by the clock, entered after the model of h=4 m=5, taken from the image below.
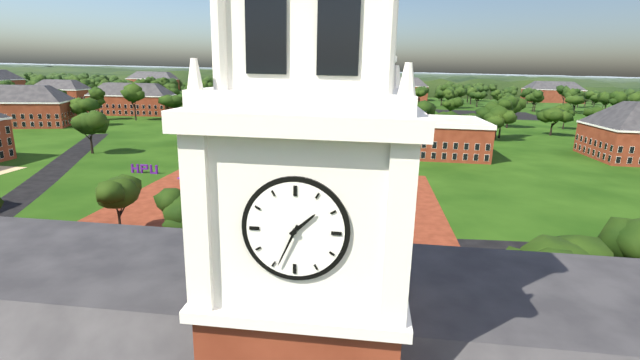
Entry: h=1 m=34
